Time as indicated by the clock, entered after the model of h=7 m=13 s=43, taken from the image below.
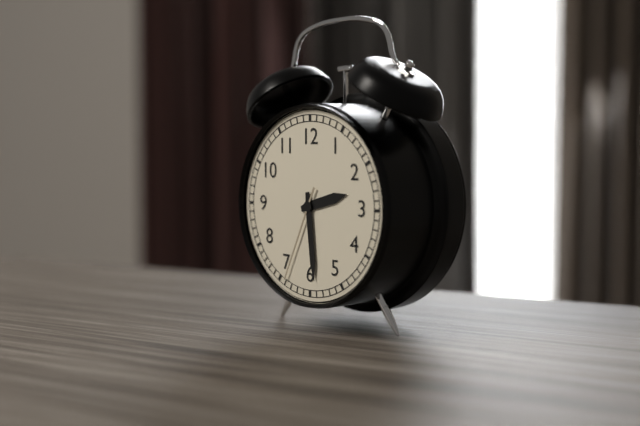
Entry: h=2 m=29 s=34
